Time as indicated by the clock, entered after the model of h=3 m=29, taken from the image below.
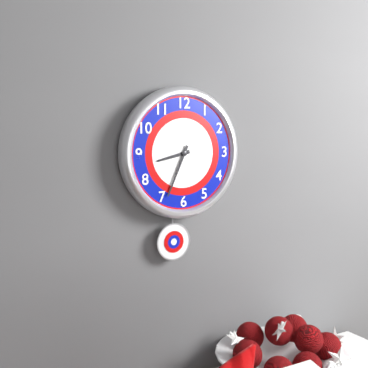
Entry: h=8 m=34
